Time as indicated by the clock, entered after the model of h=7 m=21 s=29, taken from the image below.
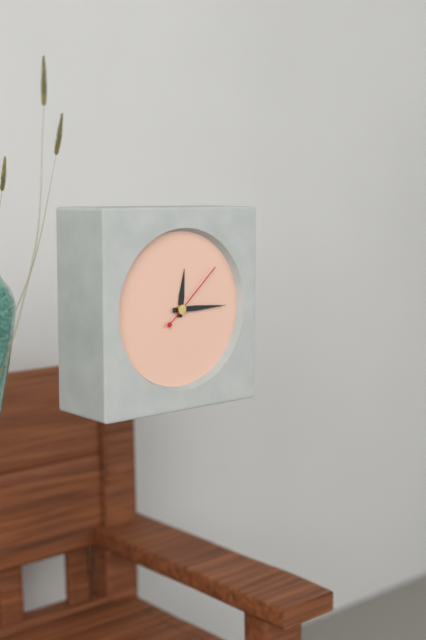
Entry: h=12 m=15 s=8
